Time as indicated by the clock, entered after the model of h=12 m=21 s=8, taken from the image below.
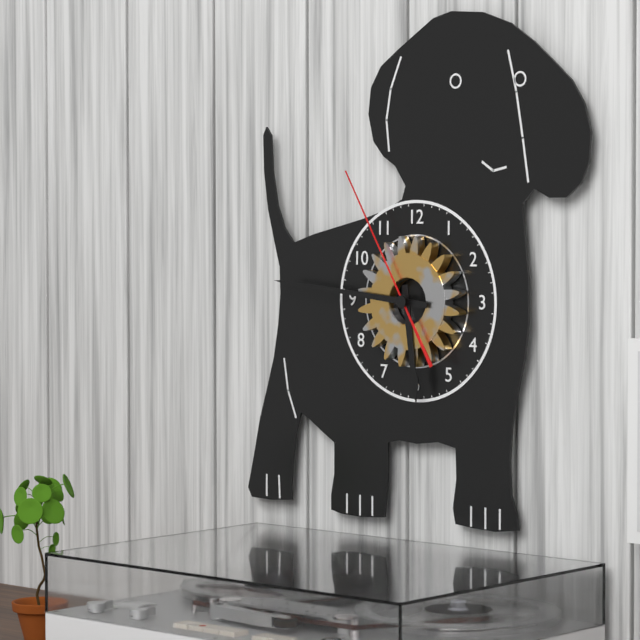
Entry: h=5 m=46 s=55
